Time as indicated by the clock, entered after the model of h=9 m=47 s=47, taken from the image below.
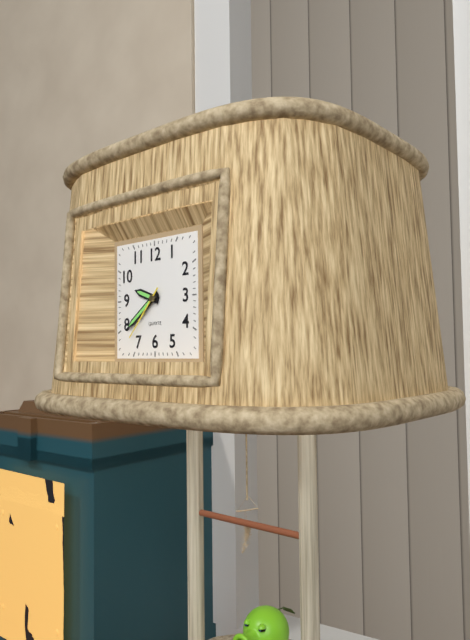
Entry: h=9 m=39 s=37
